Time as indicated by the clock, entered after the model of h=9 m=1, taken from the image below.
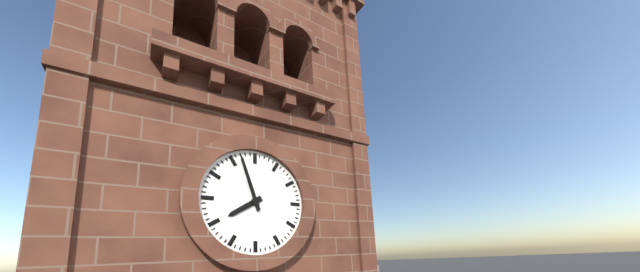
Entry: h=7 m=57
